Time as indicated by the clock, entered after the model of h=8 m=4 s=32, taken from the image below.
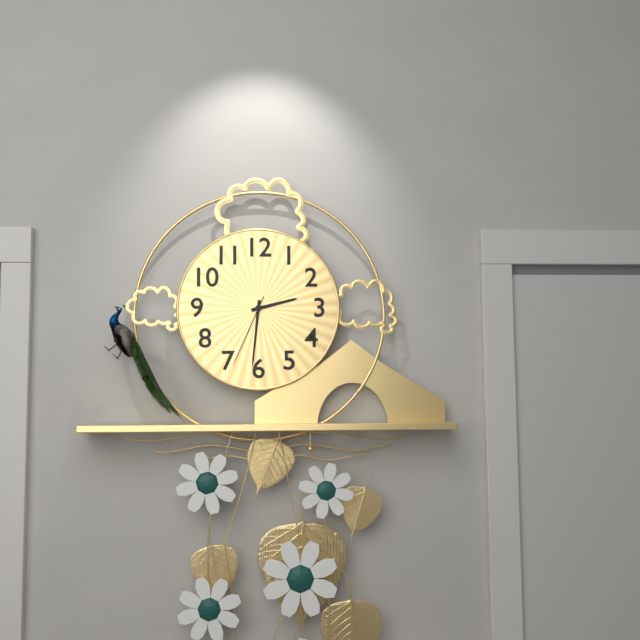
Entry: h=2 m=31 s=34
